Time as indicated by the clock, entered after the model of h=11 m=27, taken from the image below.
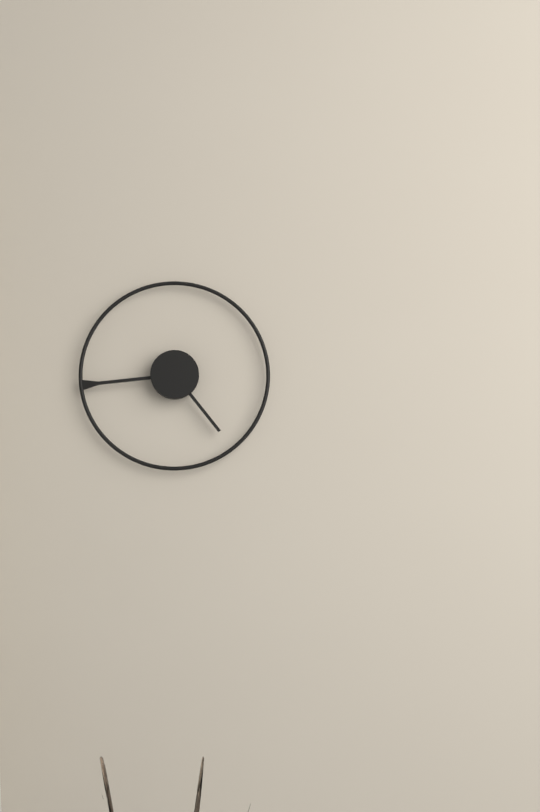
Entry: h=4 m=44
